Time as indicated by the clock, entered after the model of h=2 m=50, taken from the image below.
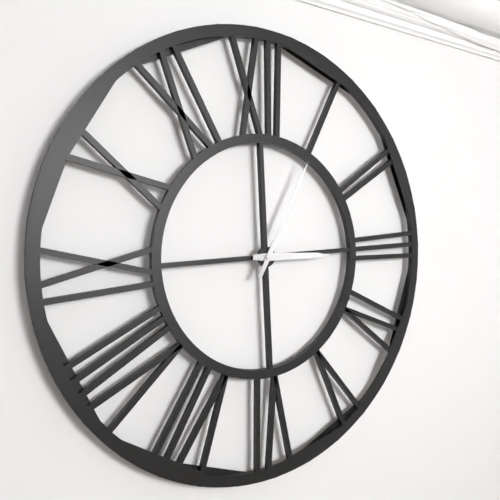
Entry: h=3 m=5
